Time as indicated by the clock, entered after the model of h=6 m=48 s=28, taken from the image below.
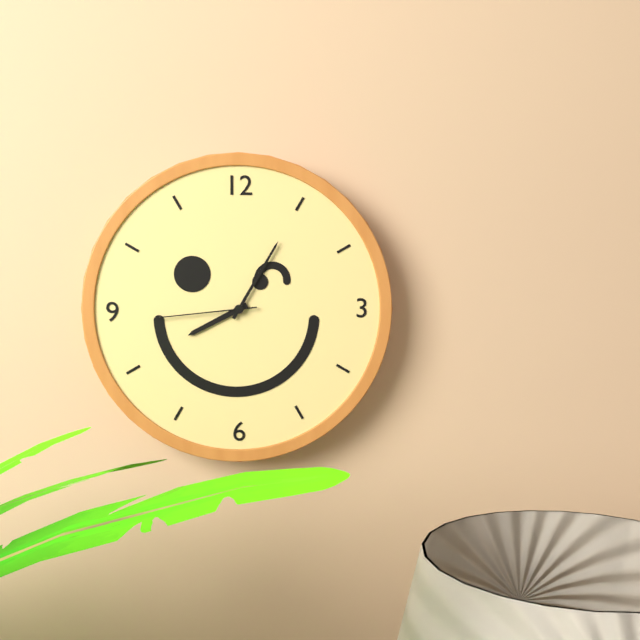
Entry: h=8 m=5 s=44
